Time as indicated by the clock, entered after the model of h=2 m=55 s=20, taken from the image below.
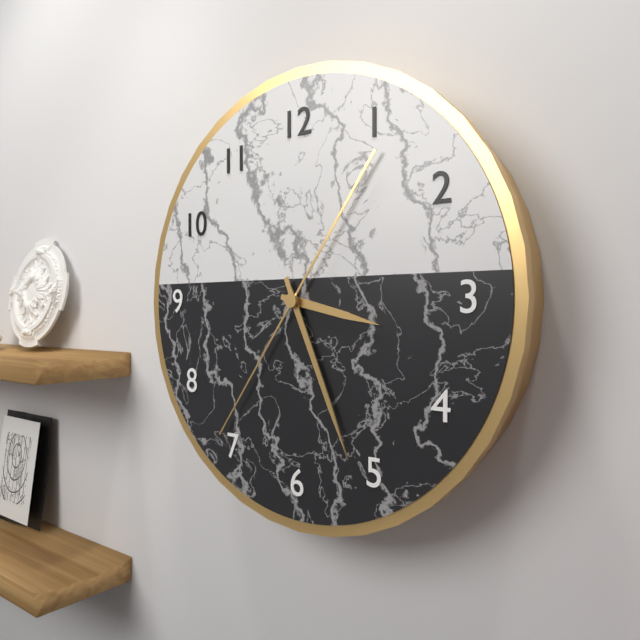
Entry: h=3 m=26 s=36
